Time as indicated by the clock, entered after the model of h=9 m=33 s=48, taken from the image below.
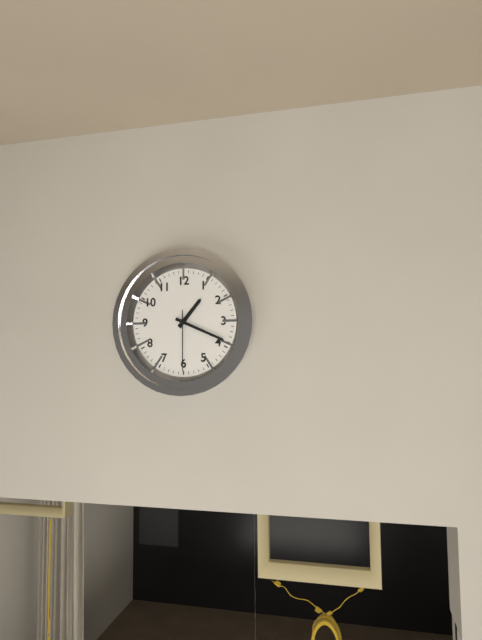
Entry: h=1 m=19 s=30
